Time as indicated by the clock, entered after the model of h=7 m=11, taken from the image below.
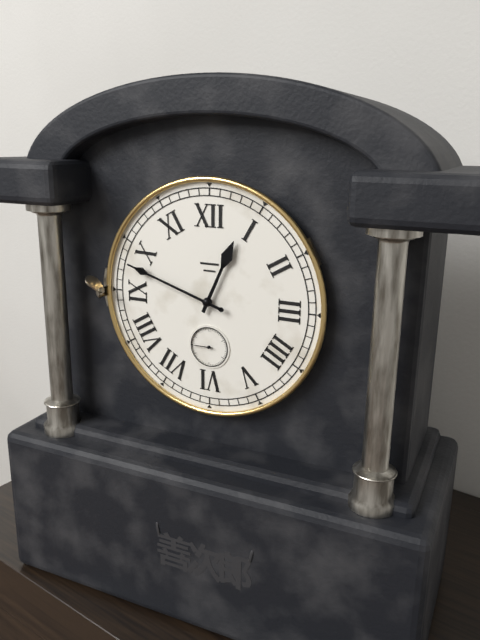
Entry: h=12 m=48
